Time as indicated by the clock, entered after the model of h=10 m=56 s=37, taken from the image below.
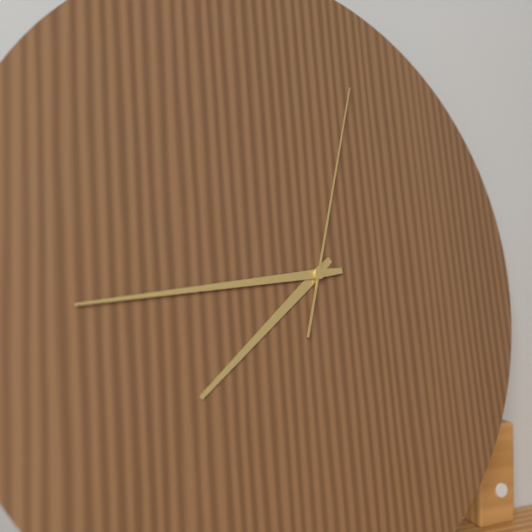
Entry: h=7 m=44 s=3
